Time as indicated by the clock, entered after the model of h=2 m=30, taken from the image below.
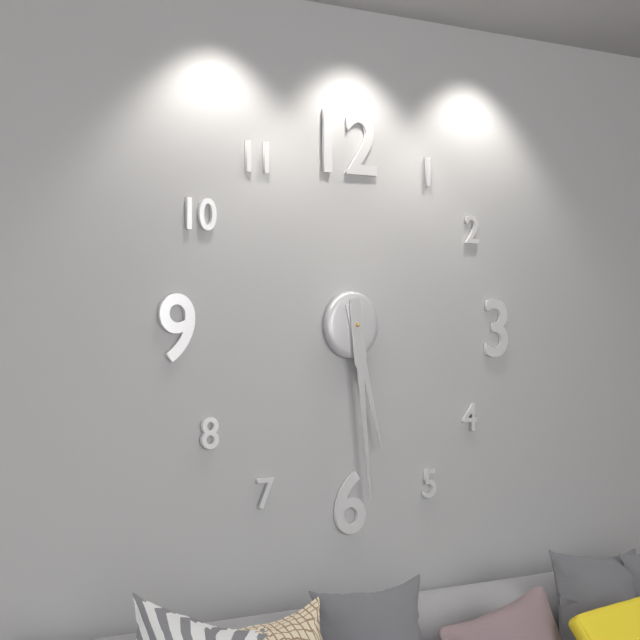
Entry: h=5 m=29
